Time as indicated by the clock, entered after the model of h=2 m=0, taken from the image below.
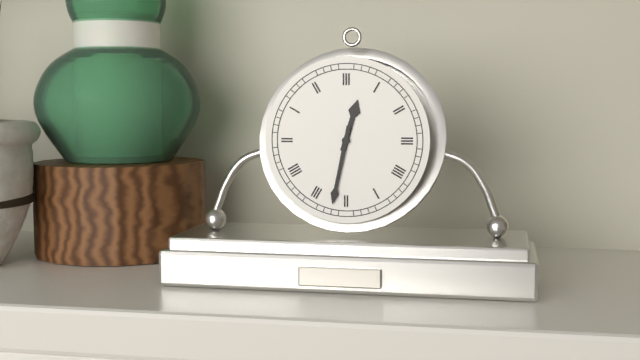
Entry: h=12 m=32
